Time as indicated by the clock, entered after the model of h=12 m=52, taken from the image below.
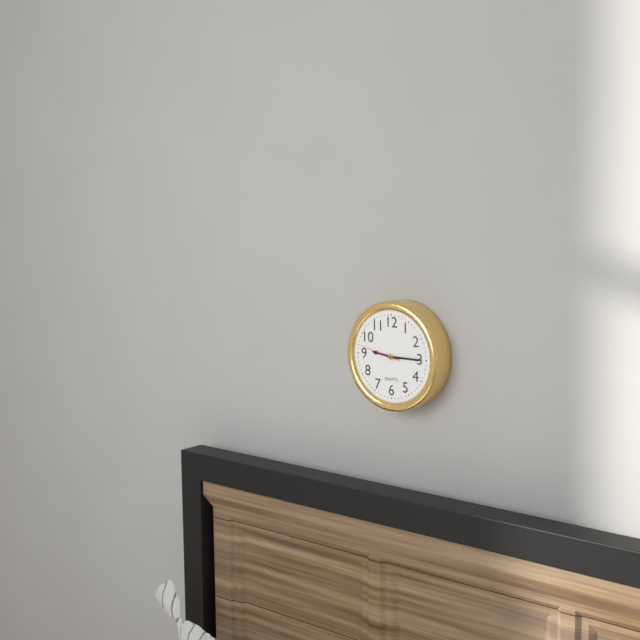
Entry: h=9 m=15
